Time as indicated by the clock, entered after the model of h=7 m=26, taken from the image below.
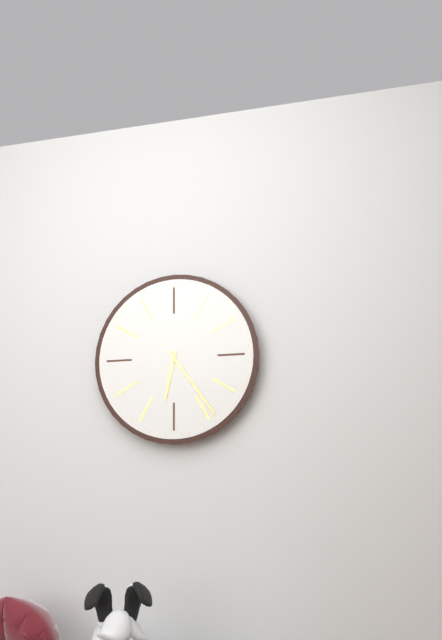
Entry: h=6 m=24
